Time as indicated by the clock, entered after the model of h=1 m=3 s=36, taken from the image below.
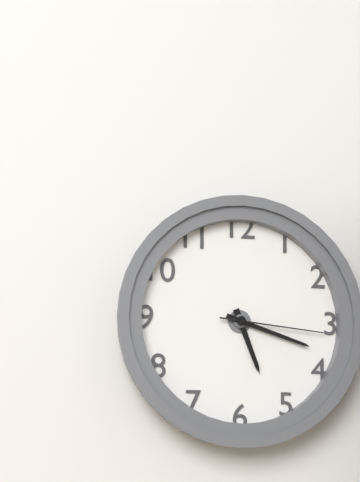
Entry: h=5 m=18 s=16
